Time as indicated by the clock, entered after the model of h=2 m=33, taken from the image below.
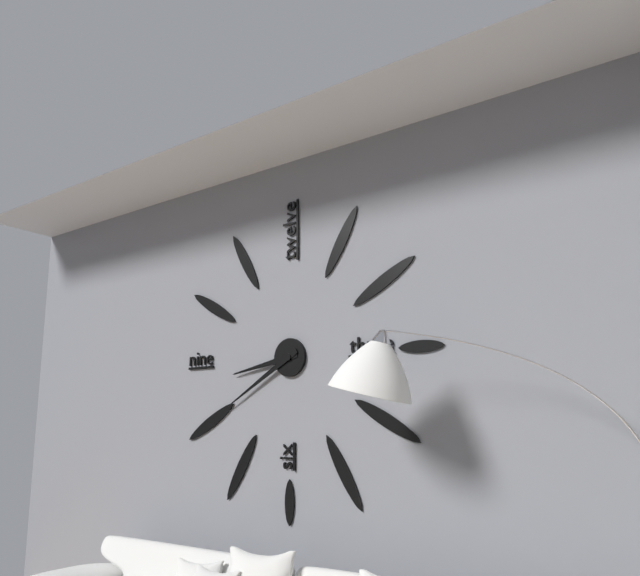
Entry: h=8 m=40
